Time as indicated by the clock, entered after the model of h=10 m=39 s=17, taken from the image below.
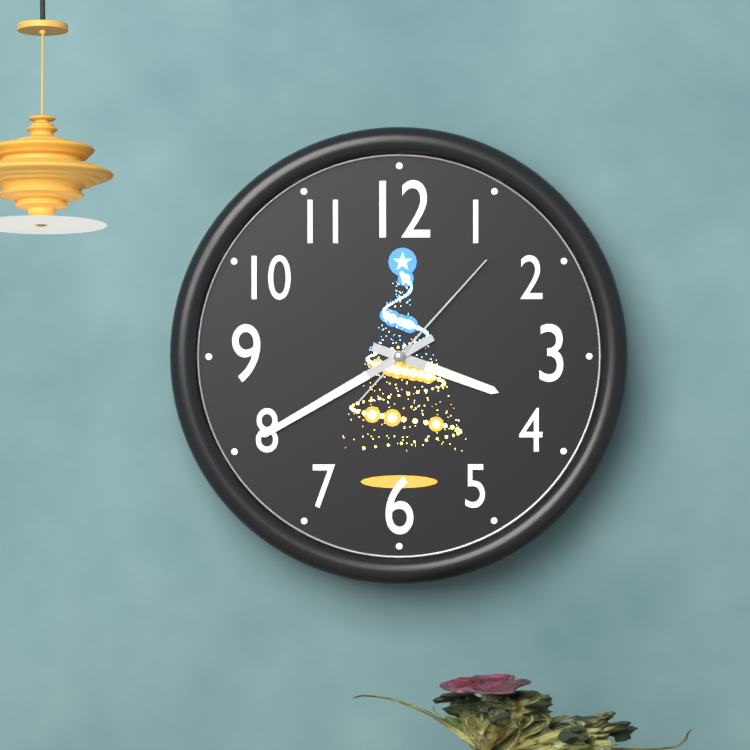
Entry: h=3 m=40 s=7
